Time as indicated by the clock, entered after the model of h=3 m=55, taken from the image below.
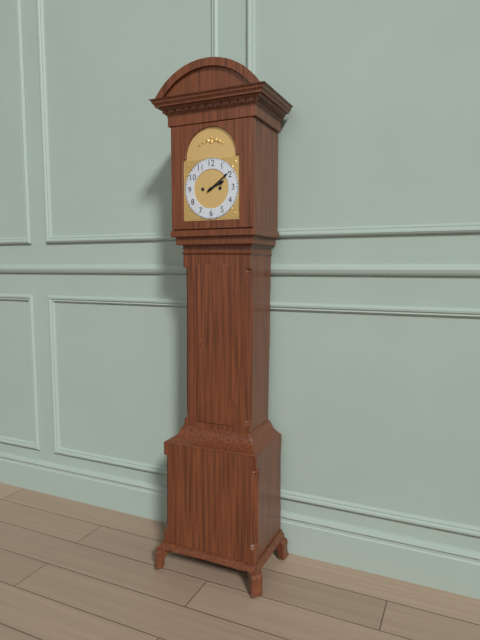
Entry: h=2 m=9
